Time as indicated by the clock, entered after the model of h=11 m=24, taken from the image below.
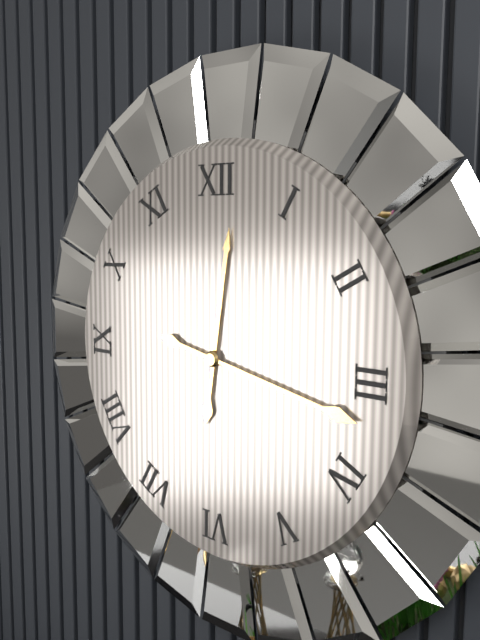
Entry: h=12 m=17
